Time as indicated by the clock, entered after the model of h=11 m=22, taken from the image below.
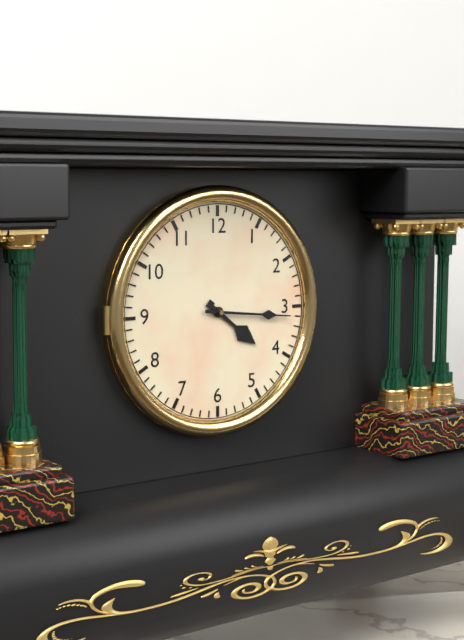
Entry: h=4 m=16
